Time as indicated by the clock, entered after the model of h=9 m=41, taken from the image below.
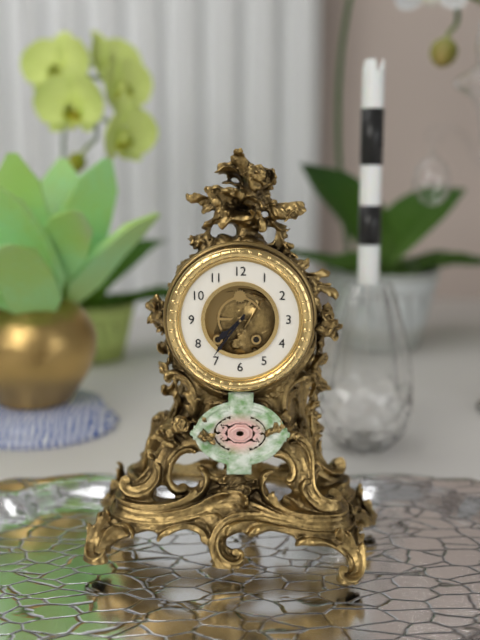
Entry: h=7 m=36
